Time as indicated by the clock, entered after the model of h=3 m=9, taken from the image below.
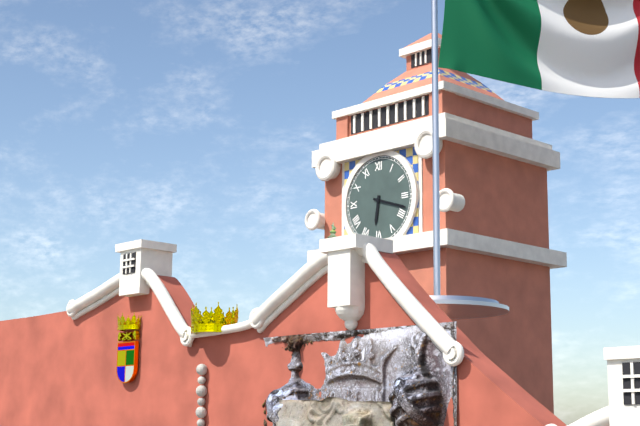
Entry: h=6 m=18
